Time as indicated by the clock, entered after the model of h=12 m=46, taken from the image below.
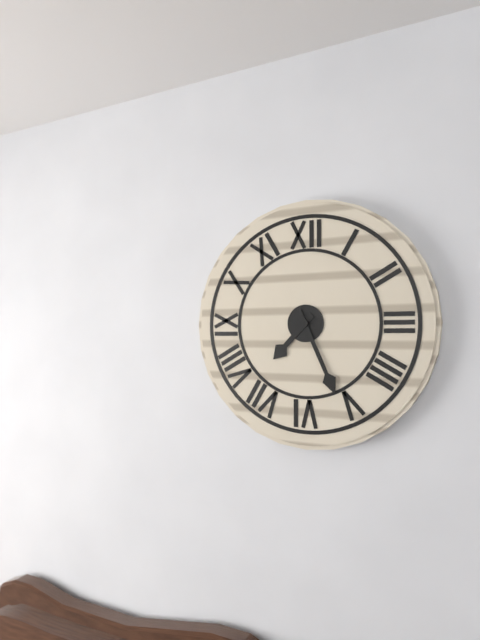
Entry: h=7 m=26
